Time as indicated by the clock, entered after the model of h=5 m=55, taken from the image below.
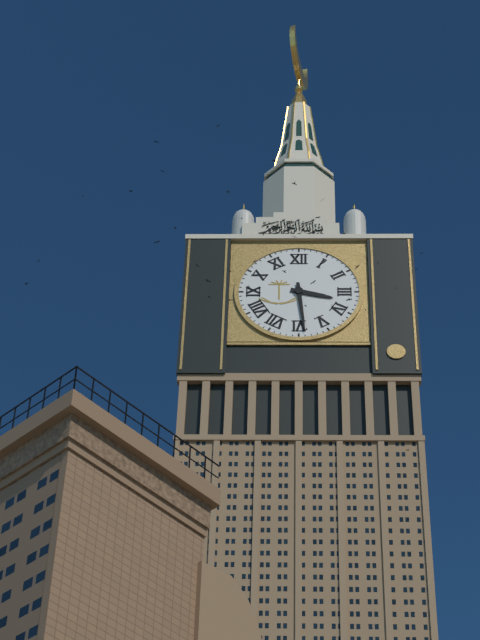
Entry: h=3 m=29
